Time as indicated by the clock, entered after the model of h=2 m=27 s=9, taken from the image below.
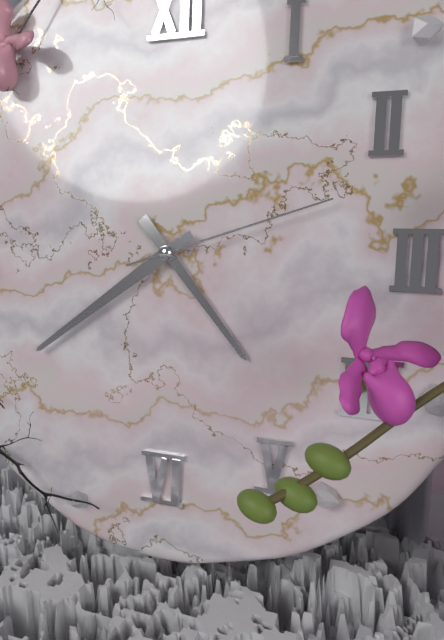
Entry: h=4 m=39 s=12
